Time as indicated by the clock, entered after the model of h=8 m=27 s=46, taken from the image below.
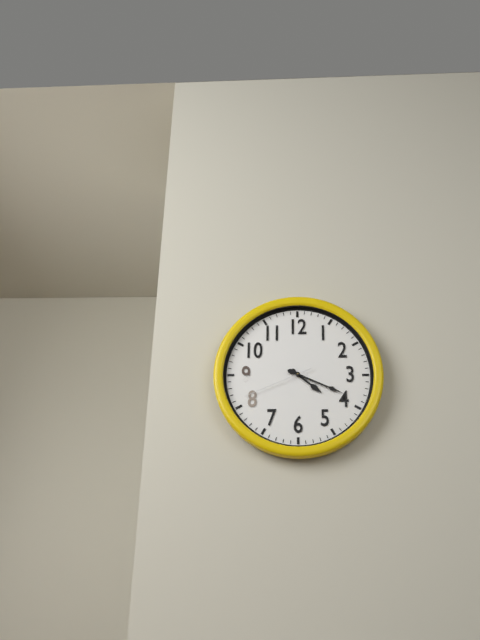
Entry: h=4 m=19 s=41
